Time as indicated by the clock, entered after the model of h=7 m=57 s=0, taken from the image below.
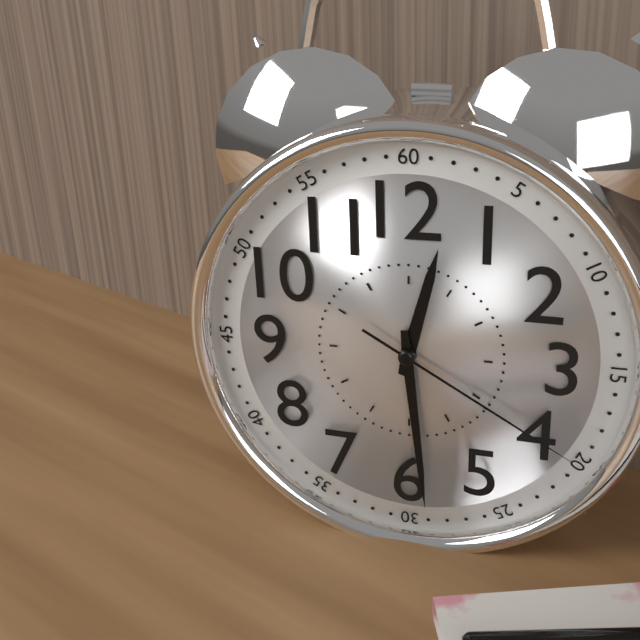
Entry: h=12 m=29 s=20
